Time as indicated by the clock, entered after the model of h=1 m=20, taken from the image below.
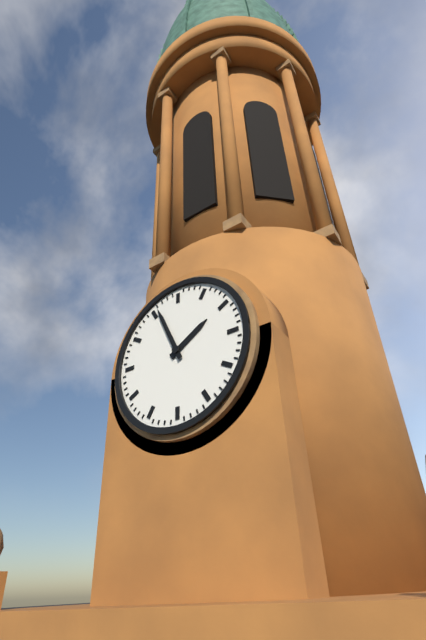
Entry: h=1 m=56
